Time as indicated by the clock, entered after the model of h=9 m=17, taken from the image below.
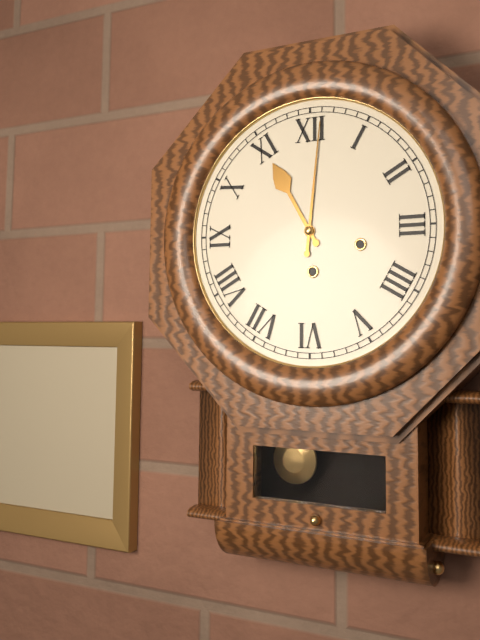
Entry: h=11 m=1
